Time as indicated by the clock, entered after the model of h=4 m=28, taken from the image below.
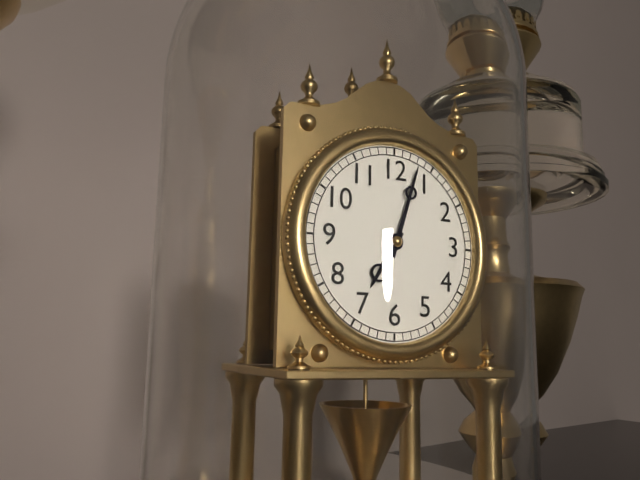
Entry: h=7 m=3
